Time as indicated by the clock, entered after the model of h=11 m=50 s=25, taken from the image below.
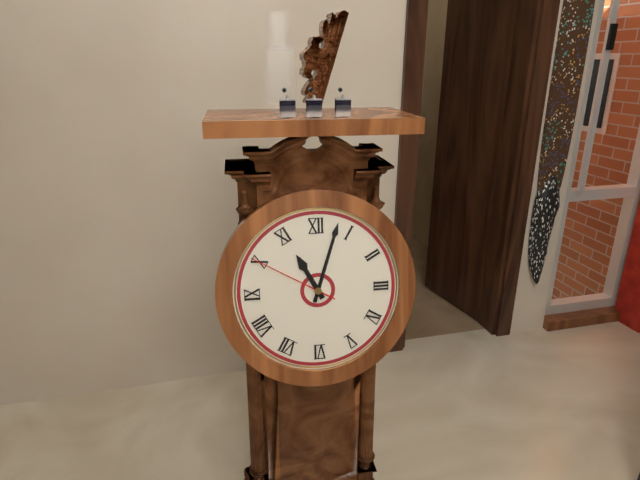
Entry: h=11 m=3 s=50
